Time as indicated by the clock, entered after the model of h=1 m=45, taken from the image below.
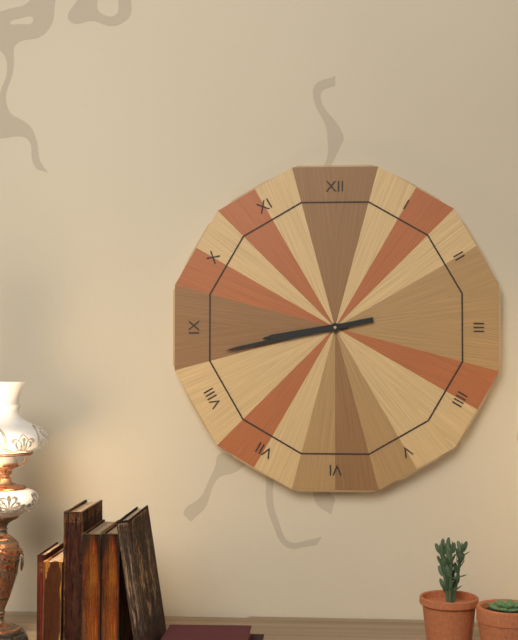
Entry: h=8 m=43
